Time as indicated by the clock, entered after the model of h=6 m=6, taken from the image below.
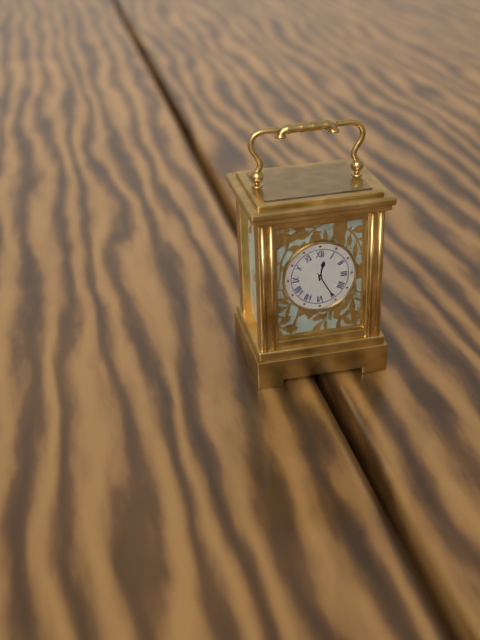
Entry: h=12 m=25
